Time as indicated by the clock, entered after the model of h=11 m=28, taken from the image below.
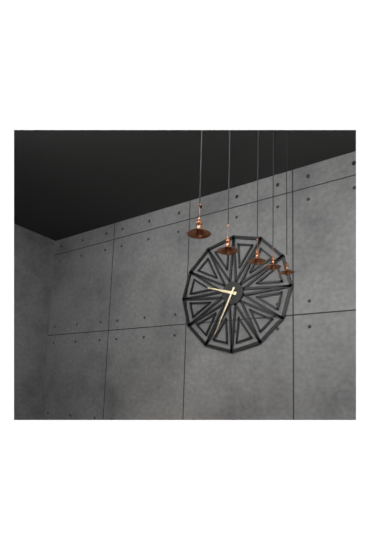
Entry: h=9 m=34
